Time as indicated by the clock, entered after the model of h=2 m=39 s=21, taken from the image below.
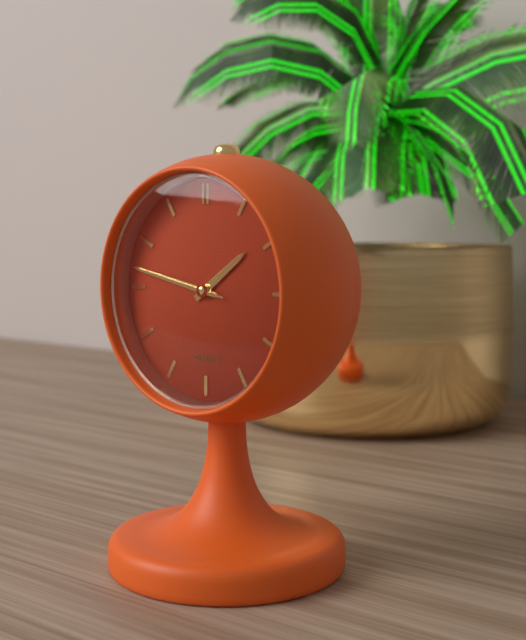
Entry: h=1 m=47 s=47
